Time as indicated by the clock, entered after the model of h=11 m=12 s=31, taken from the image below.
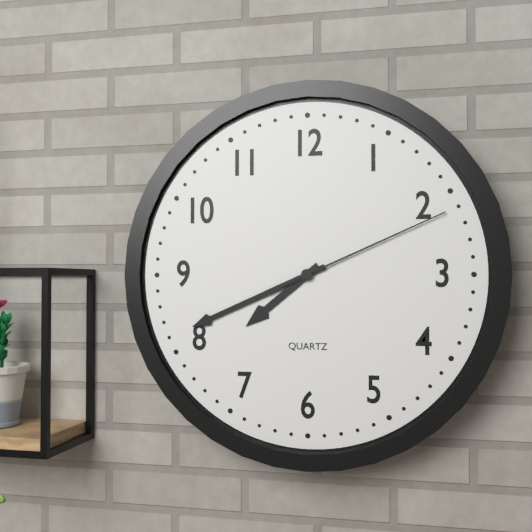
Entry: h=7 m=41 s=11
